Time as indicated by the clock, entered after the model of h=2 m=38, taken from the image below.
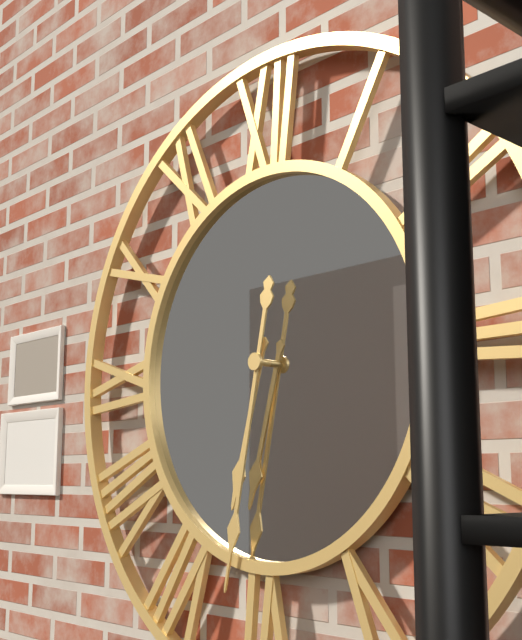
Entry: h=6 m=32
